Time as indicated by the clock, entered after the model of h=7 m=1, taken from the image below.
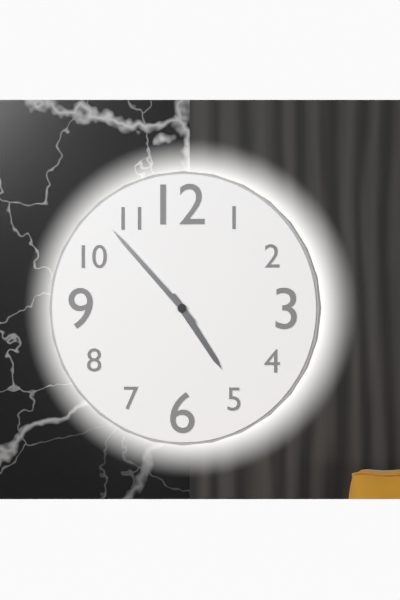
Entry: h=4 m=53
